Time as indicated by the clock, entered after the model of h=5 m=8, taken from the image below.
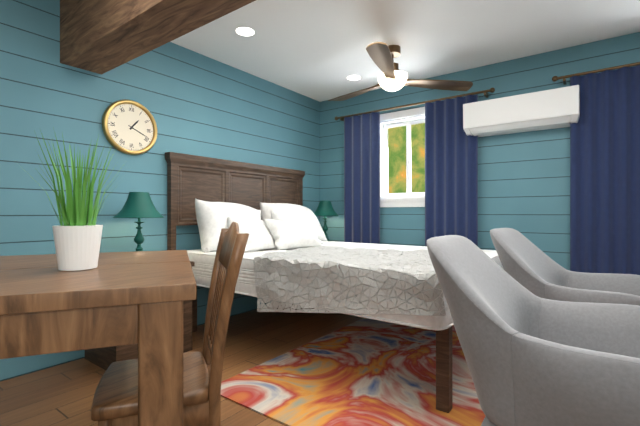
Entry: h=1 m=19
